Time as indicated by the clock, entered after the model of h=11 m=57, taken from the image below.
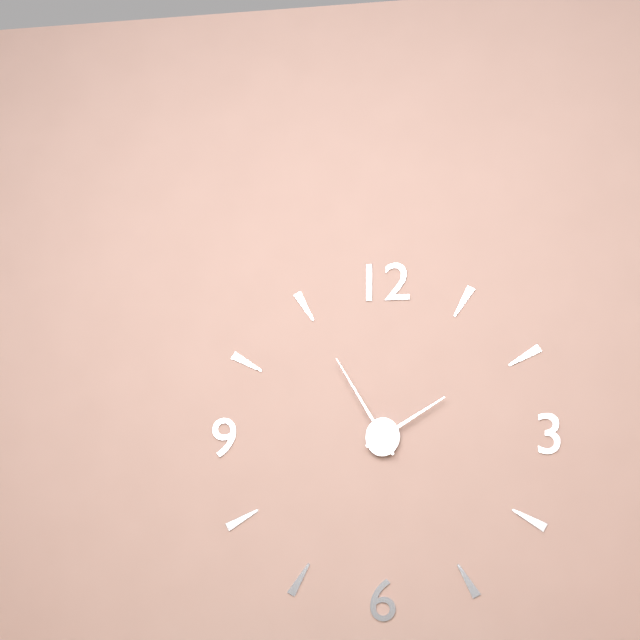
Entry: h=1 m=55
